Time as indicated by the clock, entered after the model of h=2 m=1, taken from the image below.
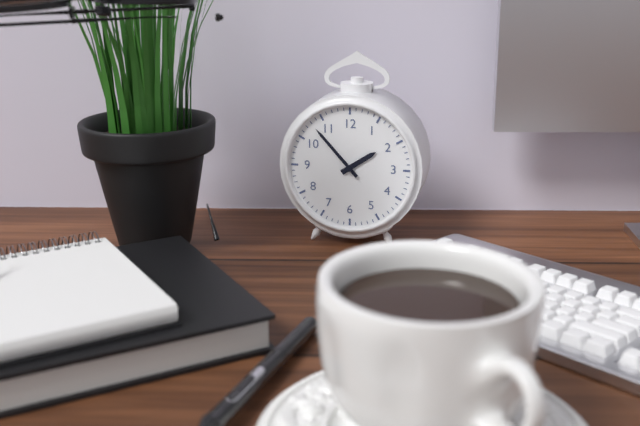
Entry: h=1 m=53
